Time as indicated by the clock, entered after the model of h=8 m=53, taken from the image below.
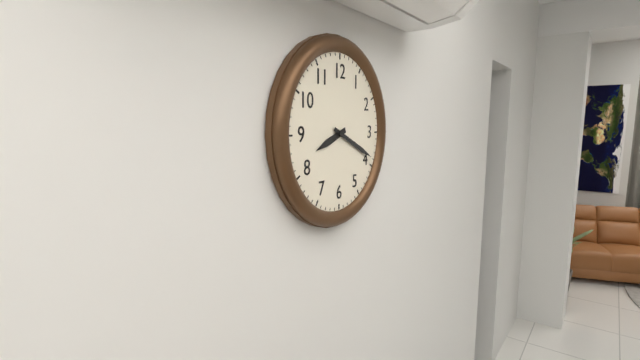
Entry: h=8 m=19
